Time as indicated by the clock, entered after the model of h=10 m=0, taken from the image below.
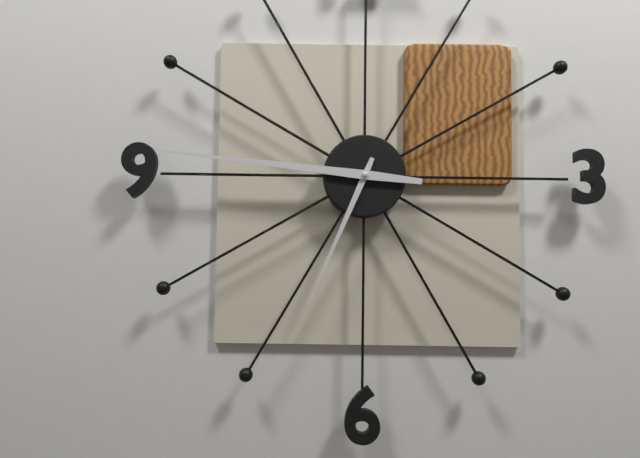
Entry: h=6 m=46
